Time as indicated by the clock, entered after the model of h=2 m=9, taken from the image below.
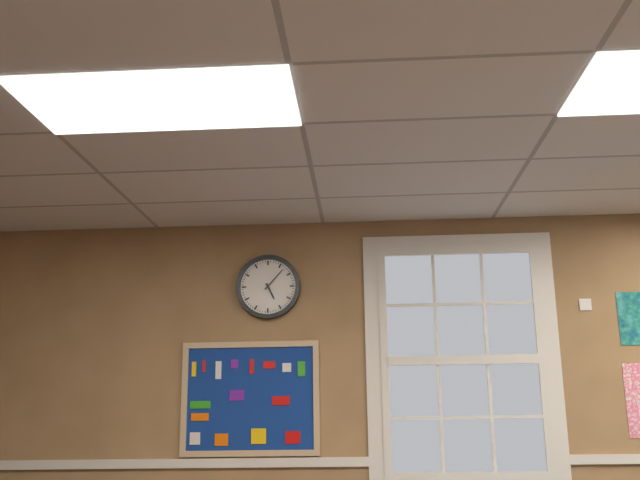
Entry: h=5 m=7
